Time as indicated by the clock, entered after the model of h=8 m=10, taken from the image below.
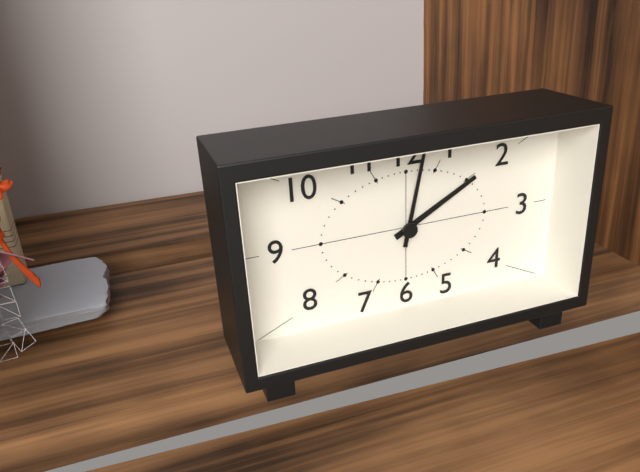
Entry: h=2 m=2
